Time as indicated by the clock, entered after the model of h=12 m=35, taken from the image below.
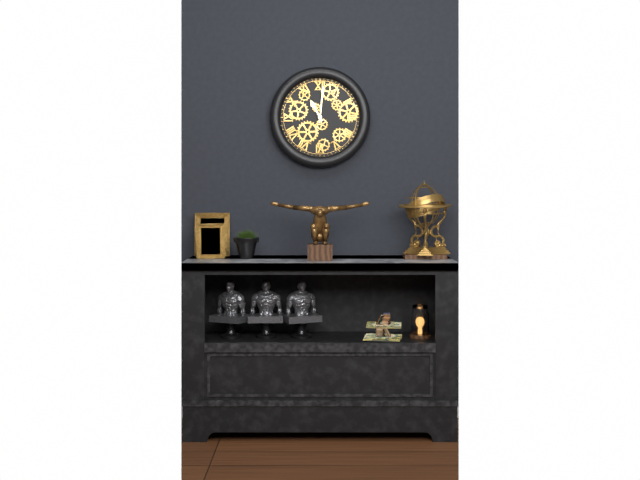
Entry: h=11 m=1
